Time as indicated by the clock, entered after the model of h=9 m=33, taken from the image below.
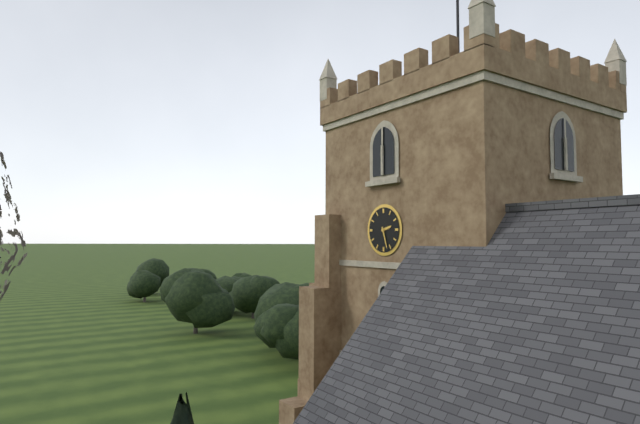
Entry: h=2 m=27
